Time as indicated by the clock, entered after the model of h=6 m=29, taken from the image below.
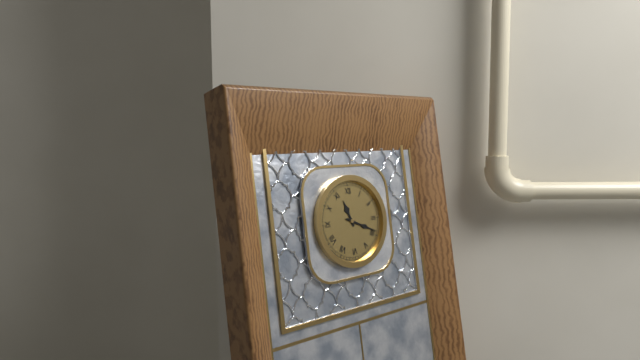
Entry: h=11 m=19
